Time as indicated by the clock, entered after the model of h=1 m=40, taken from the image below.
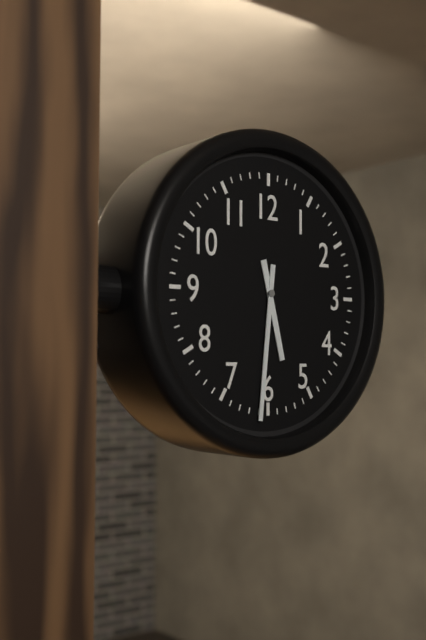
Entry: h=5 m=31
